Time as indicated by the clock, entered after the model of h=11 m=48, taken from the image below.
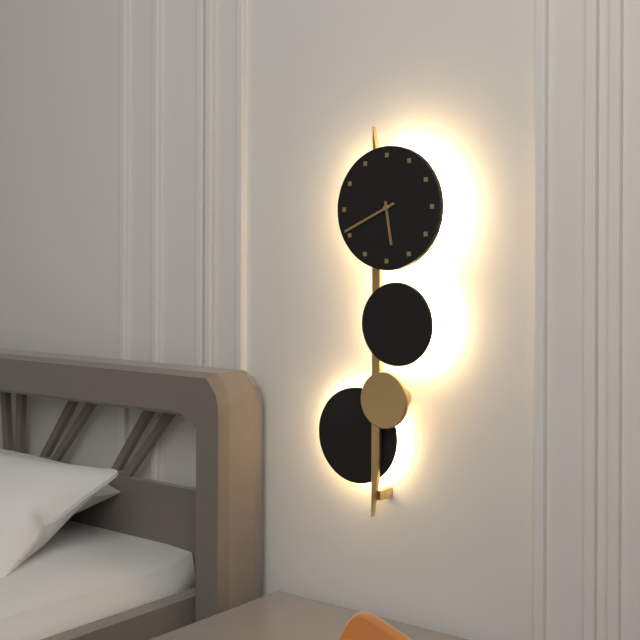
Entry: h=5 m=41
